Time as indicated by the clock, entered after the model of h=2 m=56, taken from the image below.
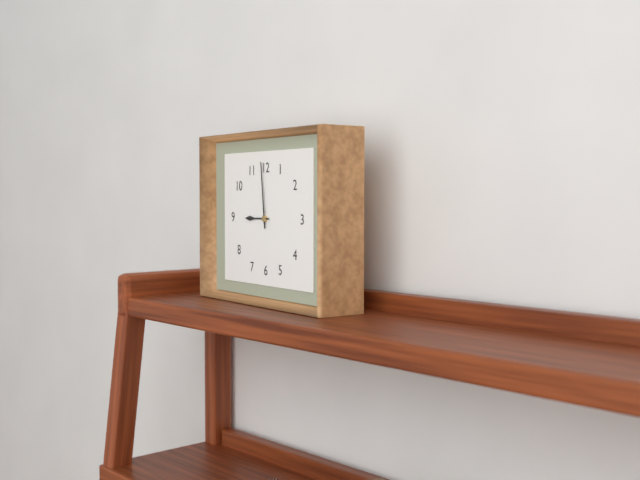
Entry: h=8 m=59
